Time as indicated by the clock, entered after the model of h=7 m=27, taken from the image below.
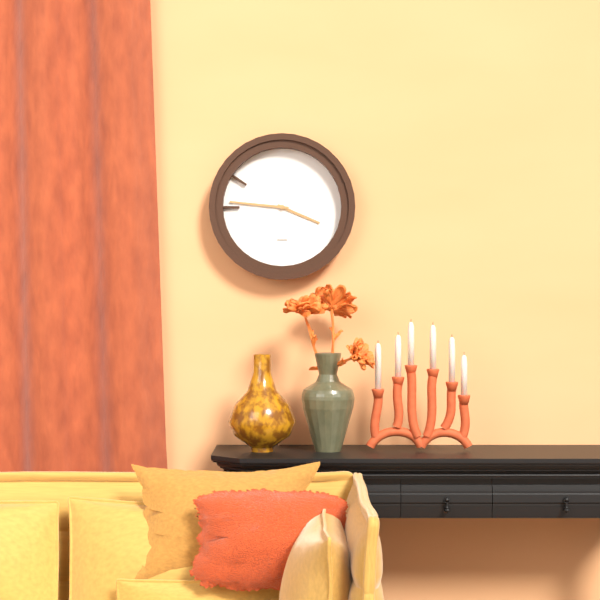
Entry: h=3 m=46
